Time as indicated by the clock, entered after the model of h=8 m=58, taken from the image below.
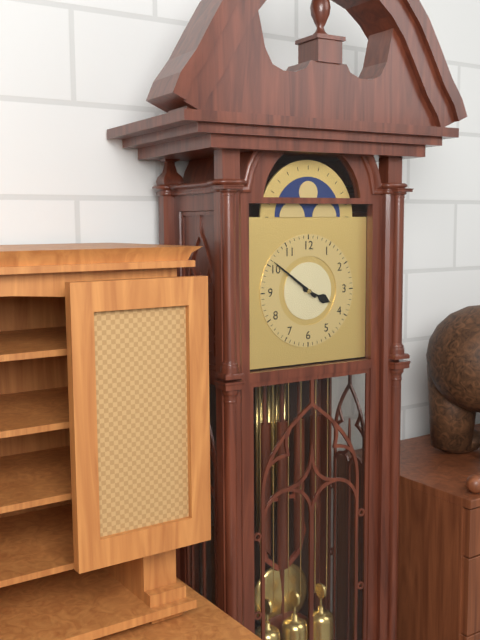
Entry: h=3 m=51
